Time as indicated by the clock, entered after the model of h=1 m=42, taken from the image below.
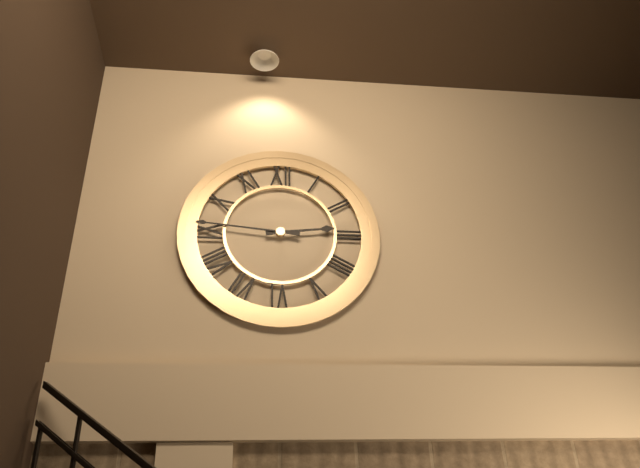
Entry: h=2 m=46
